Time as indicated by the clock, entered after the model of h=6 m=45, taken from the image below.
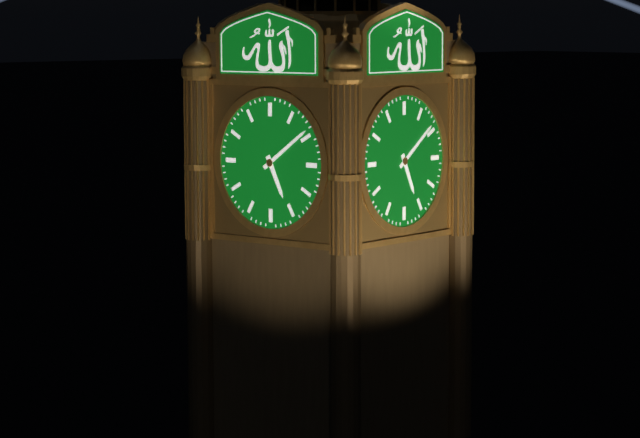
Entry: h=5 m=9
